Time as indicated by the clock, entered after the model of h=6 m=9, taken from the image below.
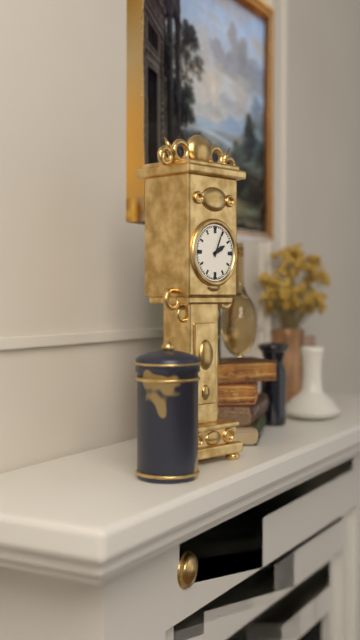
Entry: h=2 m=4
